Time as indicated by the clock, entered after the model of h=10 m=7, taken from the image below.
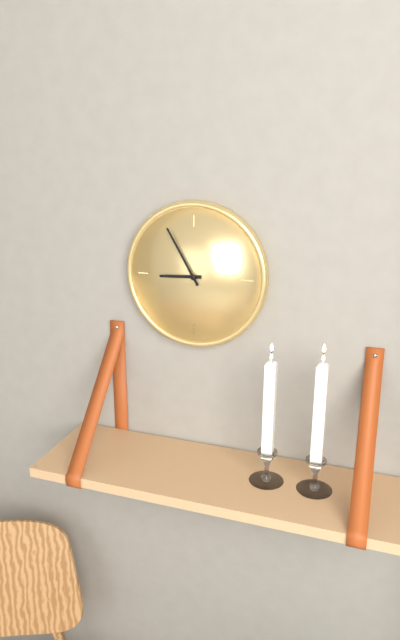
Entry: h=8 m=55
